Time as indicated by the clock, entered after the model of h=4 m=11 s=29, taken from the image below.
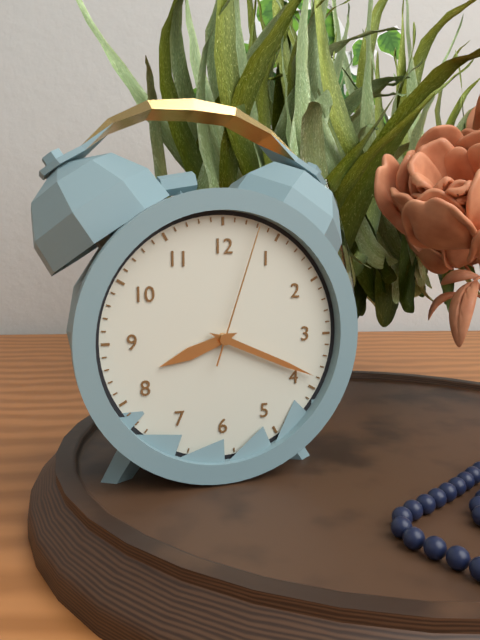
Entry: h=8 m=19 s=3
